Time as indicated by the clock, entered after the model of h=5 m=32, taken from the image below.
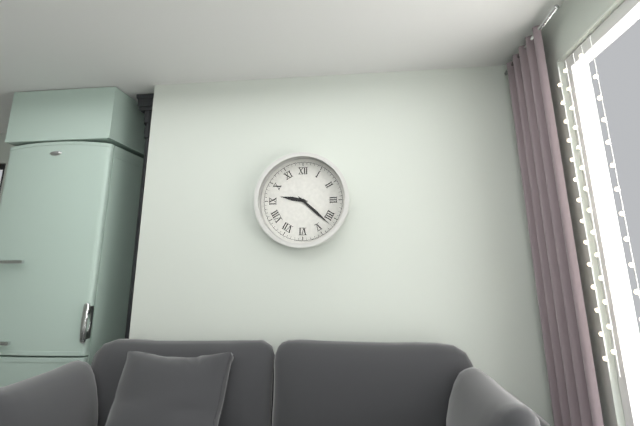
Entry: h=9 m=22
